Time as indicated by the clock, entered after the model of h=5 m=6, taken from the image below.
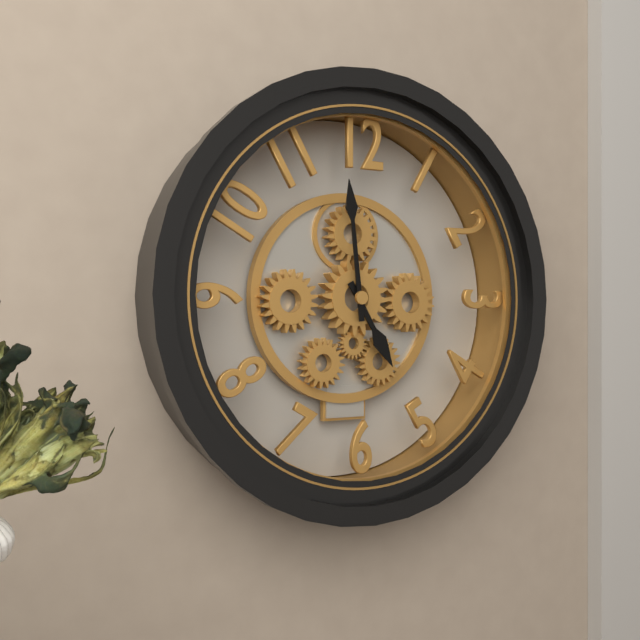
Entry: h=4 m=59
